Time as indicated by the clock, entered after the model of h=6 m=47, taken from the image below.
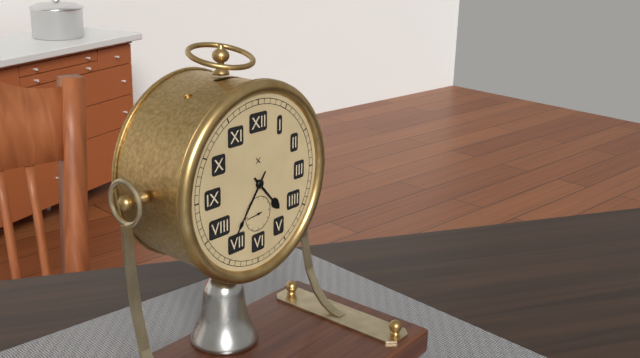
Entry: h=4 m=36
